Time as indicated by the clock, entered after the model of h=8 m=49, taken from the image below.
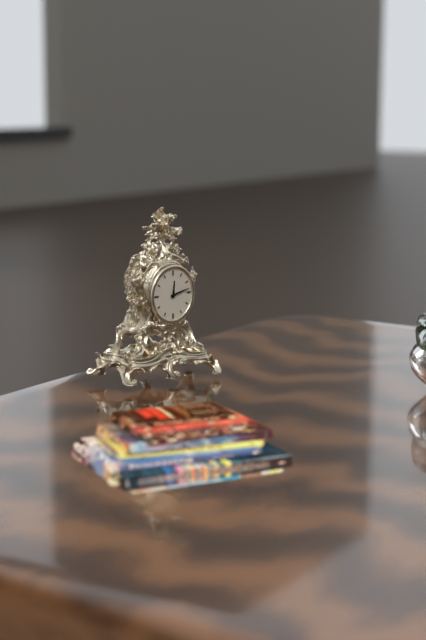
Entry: h=12 m=13
